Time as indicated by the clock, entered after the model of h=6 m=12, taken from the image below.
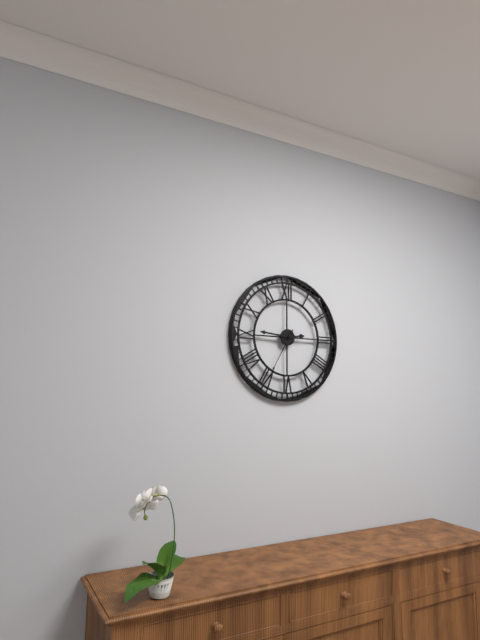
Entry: h=2 m=46
